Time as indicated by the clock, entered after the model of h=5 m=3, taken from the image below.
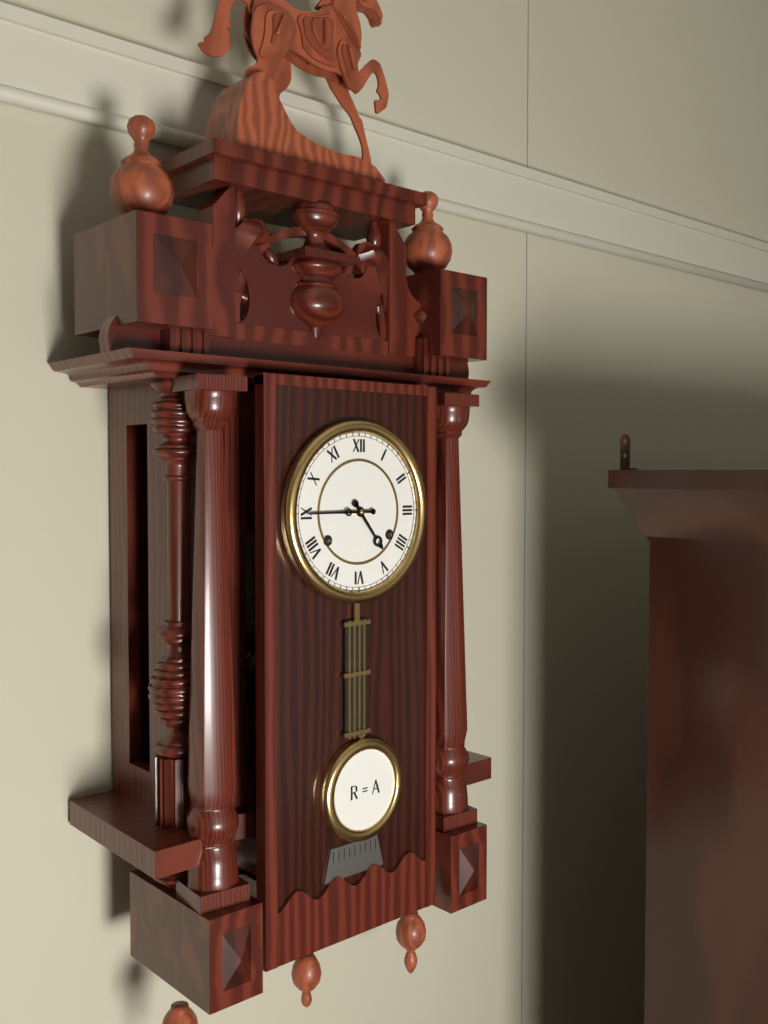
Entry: h=4 m=45
